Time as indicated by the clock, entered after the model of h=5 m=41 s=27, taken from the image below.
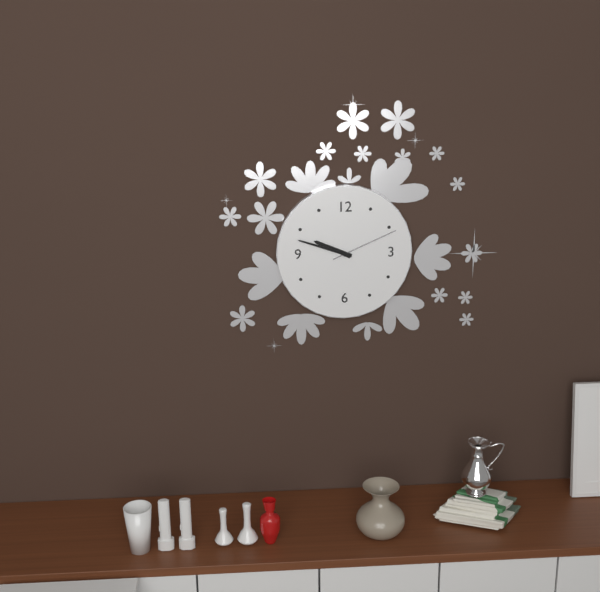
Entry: h=9 m=48 s=11
